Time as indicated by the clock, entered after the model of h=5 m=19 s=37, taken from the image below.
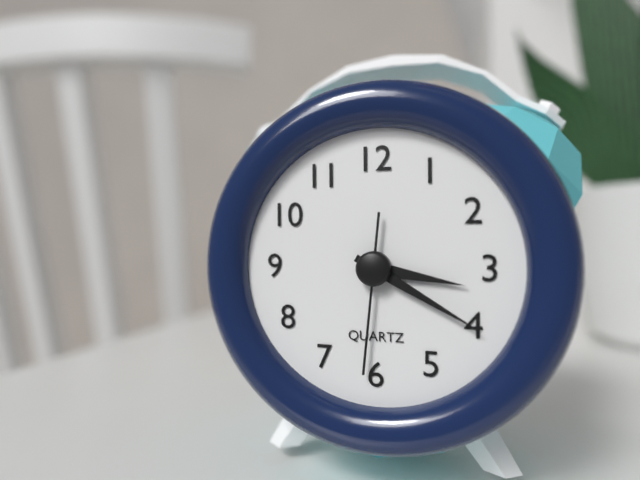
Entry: h=3 m=20 s=31
